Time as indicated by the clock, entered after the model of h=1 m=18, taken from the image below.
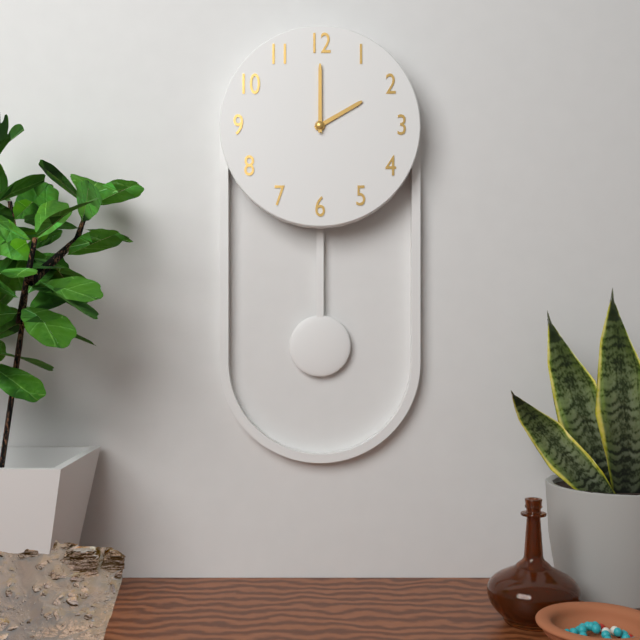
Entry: h=2 m=0
